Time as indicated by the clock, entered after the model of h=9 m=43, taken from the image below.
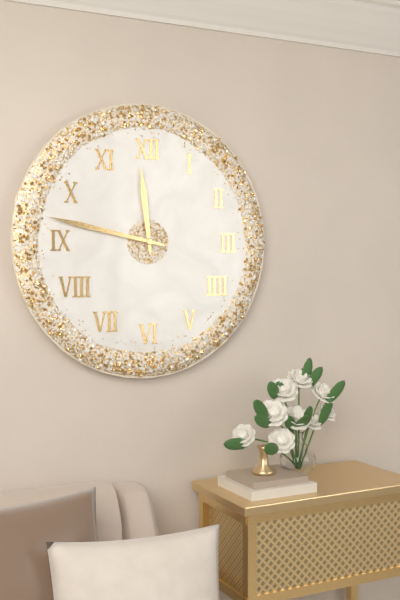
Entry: h=11 m=47
